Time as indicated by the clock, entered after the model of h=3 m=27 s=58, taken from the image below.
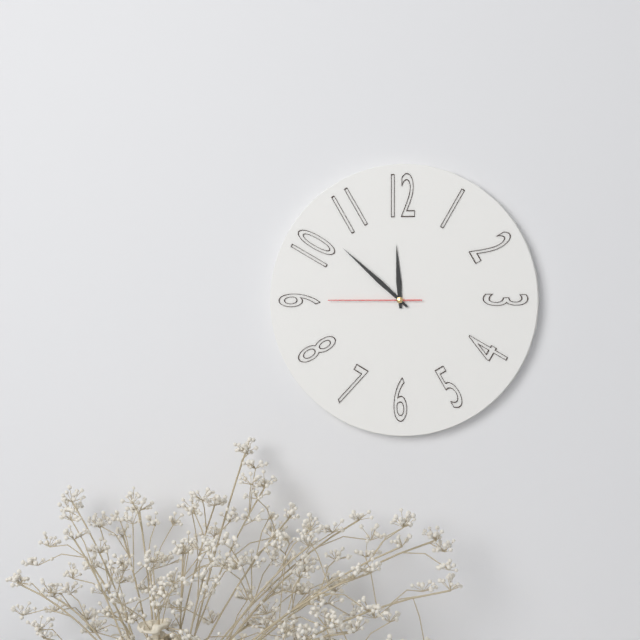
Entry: h=11 m=52 s=45
